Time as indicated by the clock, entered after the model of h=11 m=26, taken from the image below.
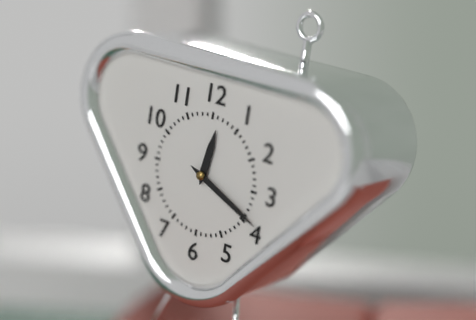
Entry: h=12 m=19
